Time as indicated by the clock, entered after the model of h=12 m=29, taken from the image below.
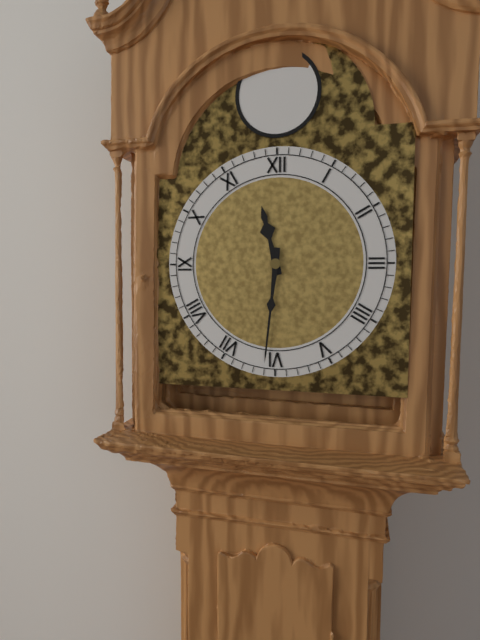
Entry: h=11 m=31
